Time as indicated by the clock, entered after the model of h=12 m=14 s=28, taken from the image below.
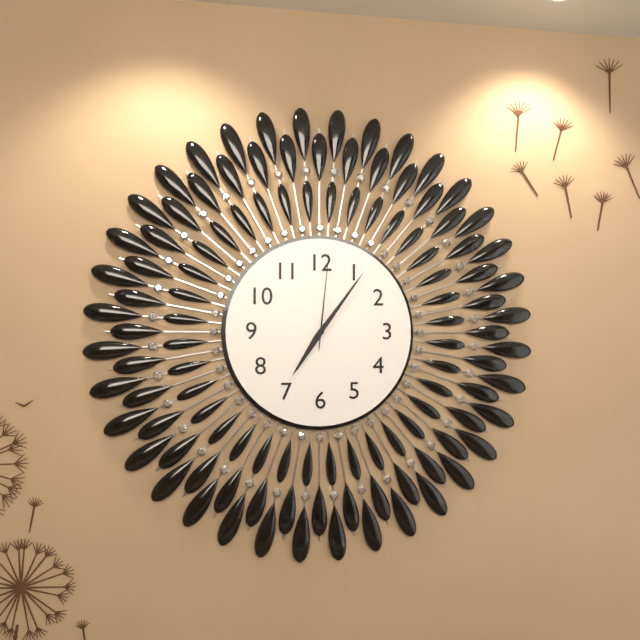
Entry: h=7 m=6 s=1
